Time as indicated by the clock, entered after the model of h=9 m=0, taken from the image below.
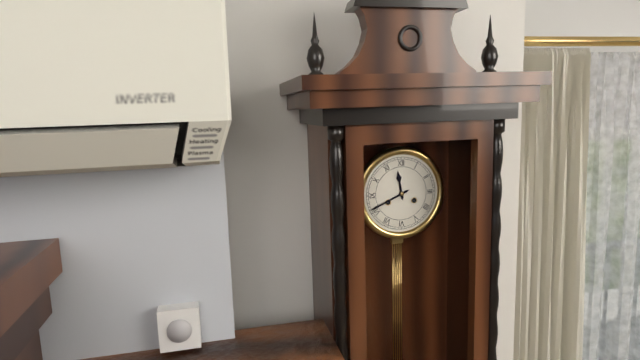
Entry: h=11 m=41
